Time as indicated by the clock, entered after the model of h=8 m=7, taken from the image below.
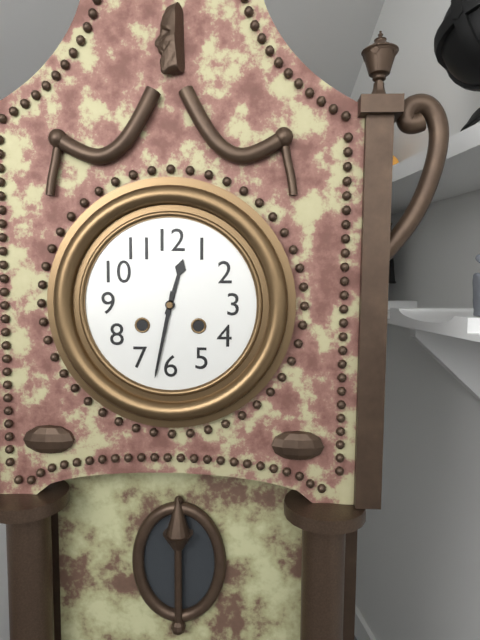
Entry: h=12 m=32
